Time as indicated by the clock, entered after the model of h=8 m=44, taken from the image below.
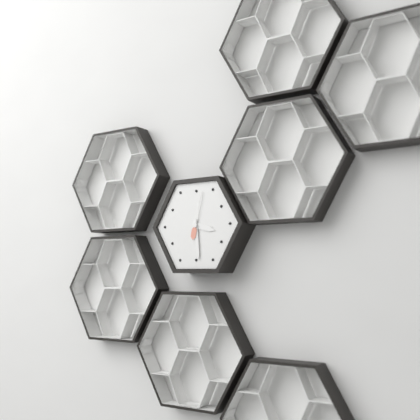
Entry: h=3 m=29
